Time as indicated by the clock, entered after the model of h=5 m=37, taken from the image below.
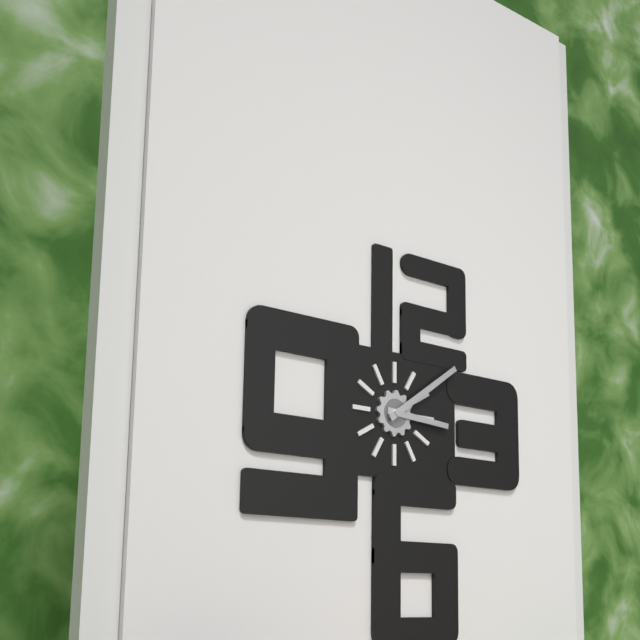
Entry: h=3 m=9
